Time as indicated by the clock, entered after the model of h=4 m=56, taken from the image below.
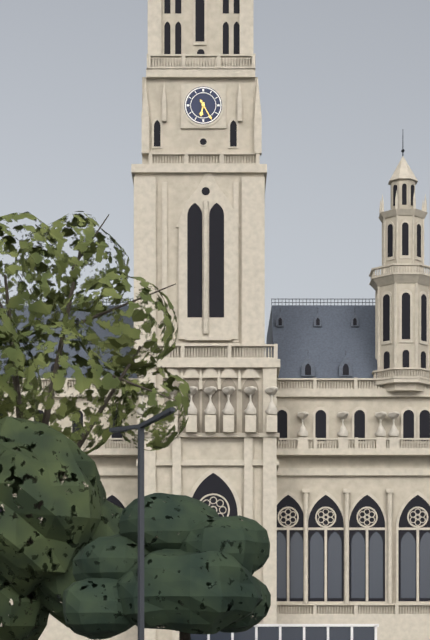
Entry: h=6 m=25
